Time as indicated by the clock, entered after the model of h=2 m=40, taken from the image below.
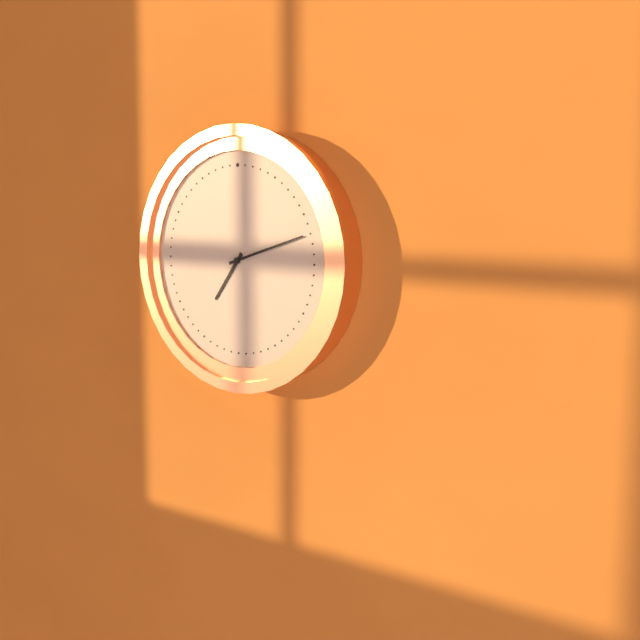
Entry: h=7 m=12
